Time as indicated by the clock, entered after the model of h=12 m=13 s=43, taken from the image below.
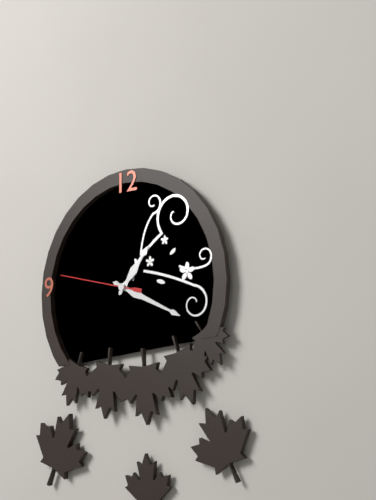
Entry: h=1 m=19 s=47
